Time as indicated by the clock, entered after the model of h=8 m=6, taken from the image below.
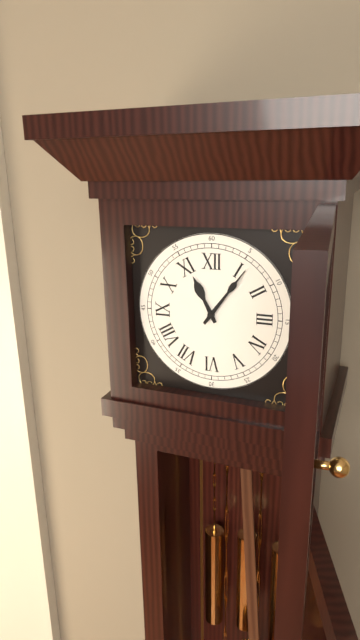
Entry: h=11 m=6
